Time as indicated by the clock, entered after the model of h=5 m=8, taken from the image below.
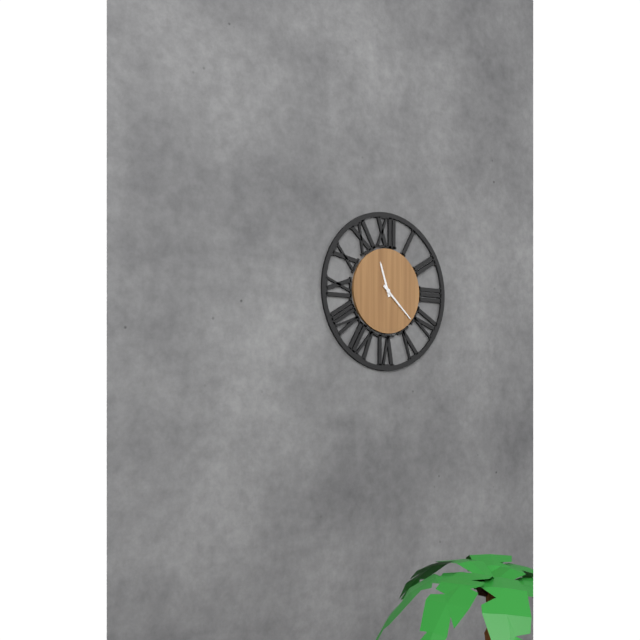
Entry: h=11 m=22
